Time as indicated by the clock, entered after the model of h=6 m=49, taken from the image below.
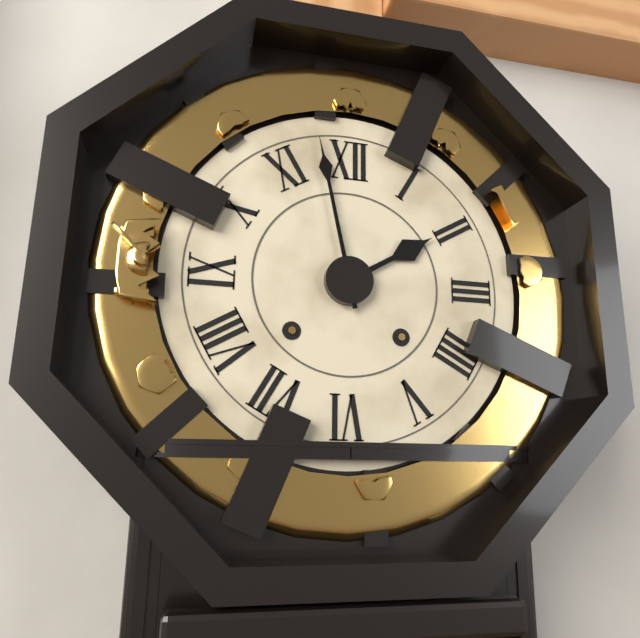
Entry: h=1 m=58
